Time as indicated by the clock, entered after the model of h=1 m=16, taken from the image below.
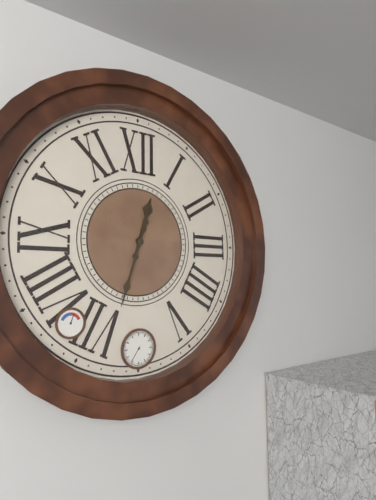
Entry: h=12 m=33
